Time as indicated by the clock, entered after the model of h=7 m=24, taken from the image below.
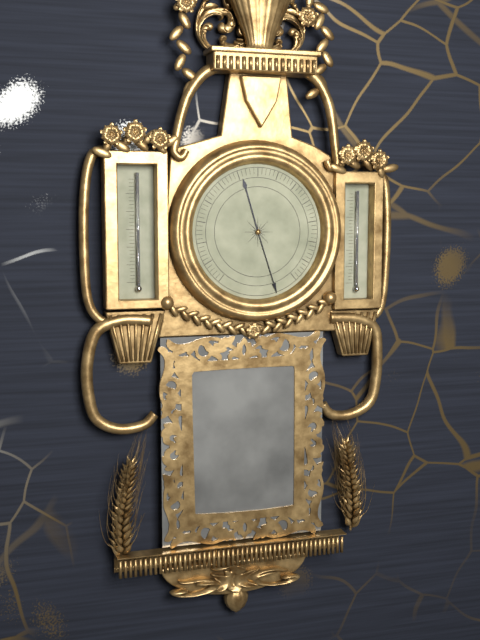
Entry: h=11 m=27
